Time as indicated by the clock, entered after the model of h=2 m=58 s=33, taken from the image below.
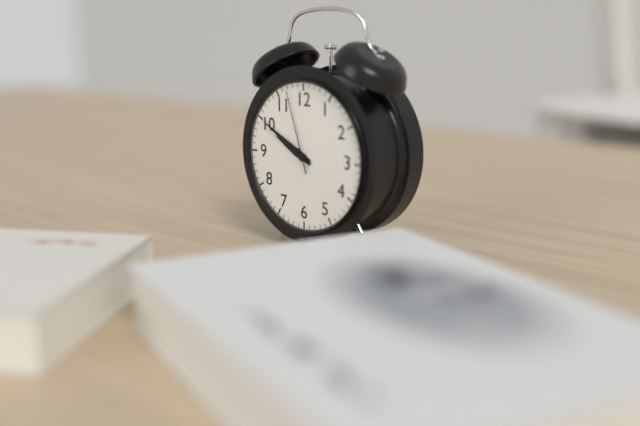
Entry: h=9 m=50 s=57
